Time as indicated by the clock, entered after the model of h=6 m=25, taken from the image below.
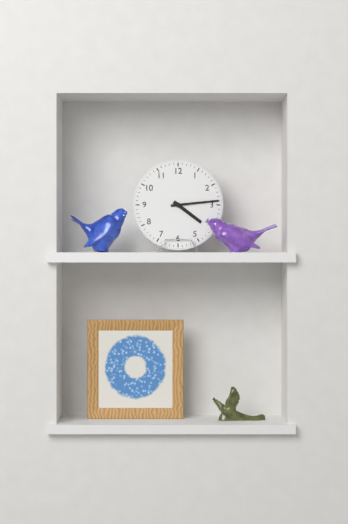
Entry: h=4 m=14
